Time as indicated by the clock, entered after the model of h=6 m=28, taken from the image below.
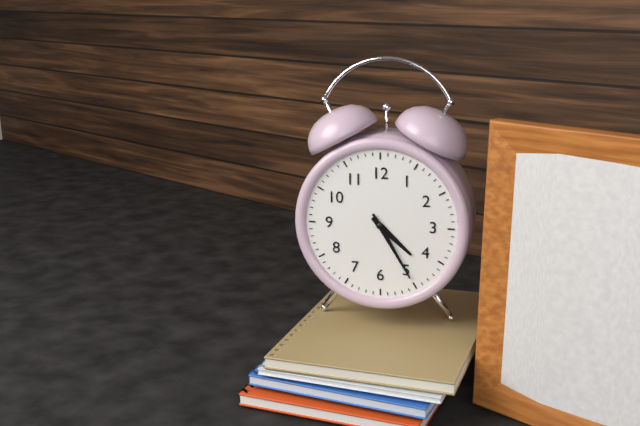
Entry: h=4 m=25
